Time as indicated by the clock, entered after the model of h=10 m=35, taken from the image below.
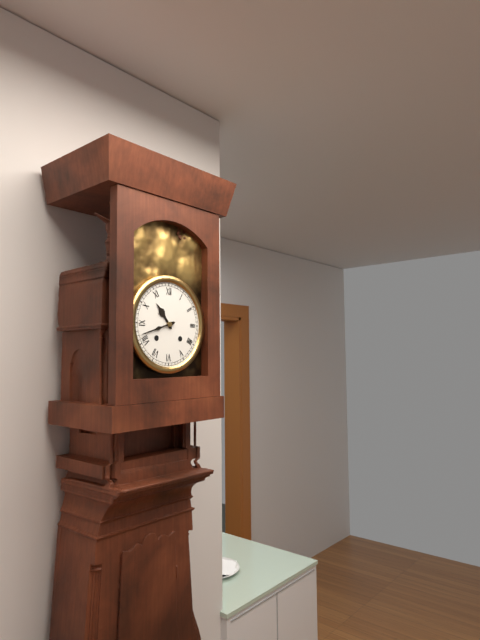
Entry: h=10 m=42
